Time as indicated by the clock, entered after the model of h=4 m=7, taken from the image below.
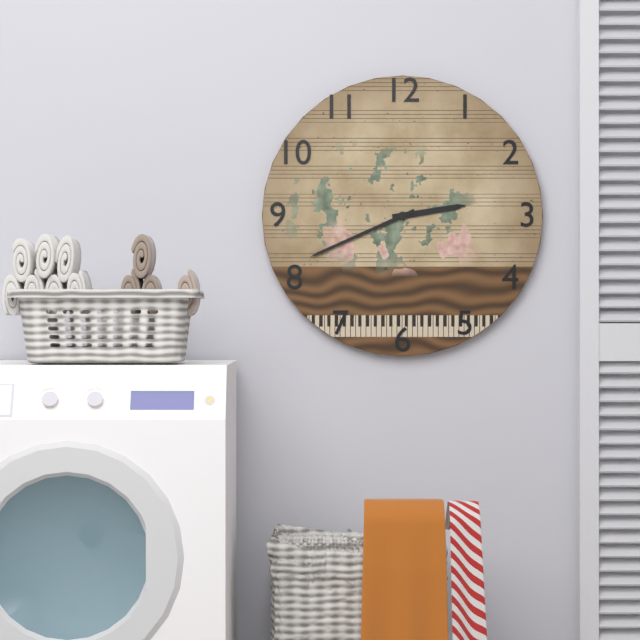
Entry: h=2 m=41
